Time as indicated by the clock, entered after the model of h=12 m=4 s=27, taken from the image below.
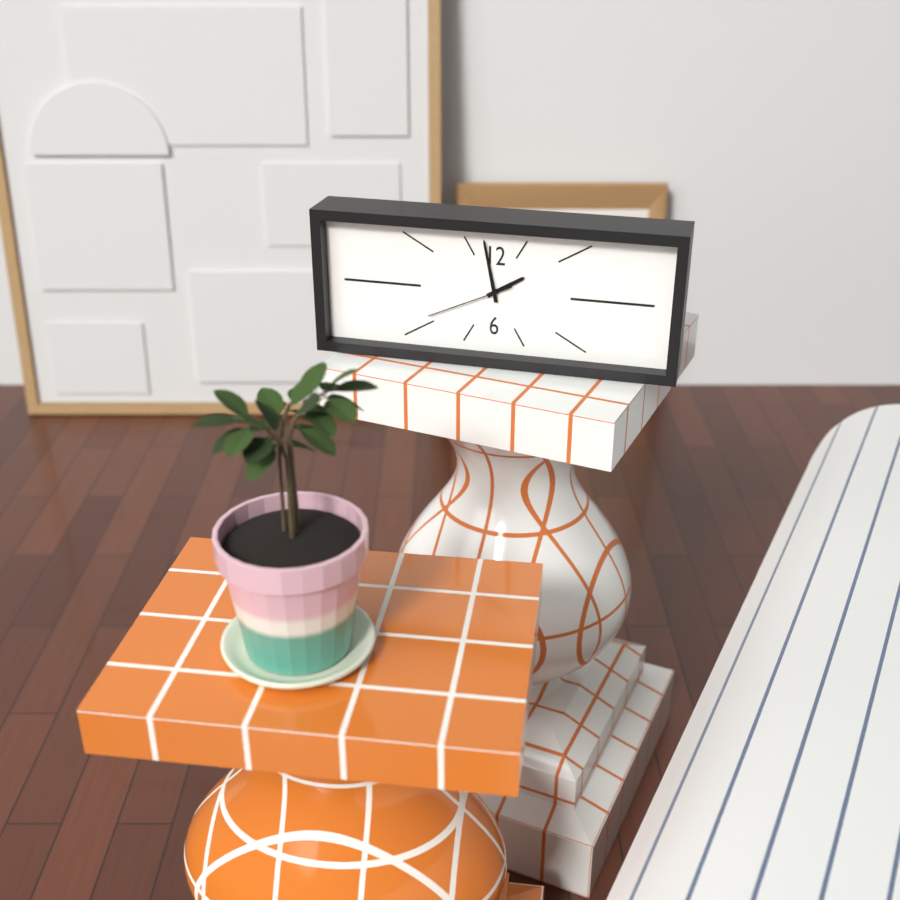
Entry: h=1 m=58 s=41
